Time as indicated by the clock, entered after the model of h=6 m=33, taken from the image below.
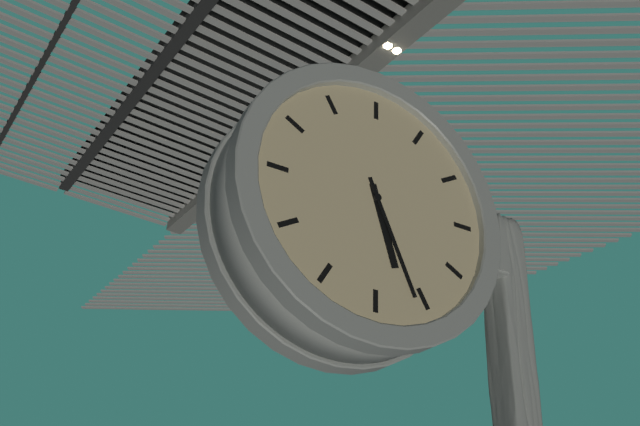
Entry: h=5 m=26
